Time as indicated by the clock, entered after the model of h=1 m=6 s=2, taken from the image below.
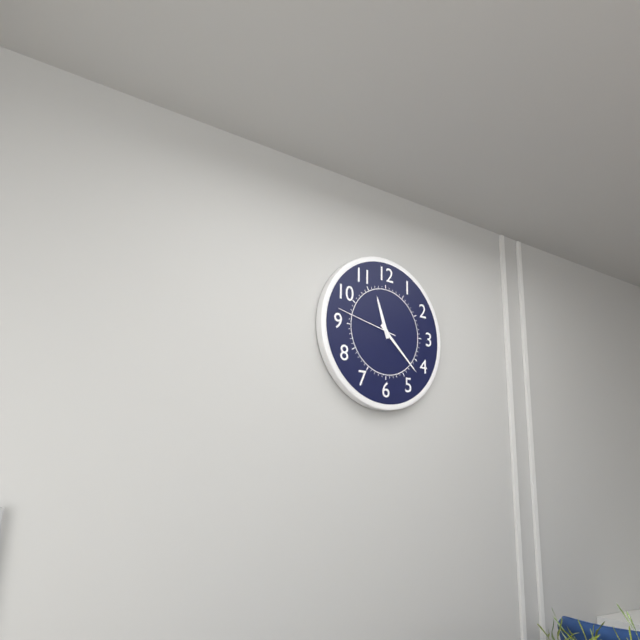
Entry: h=11 m=22 s=47
